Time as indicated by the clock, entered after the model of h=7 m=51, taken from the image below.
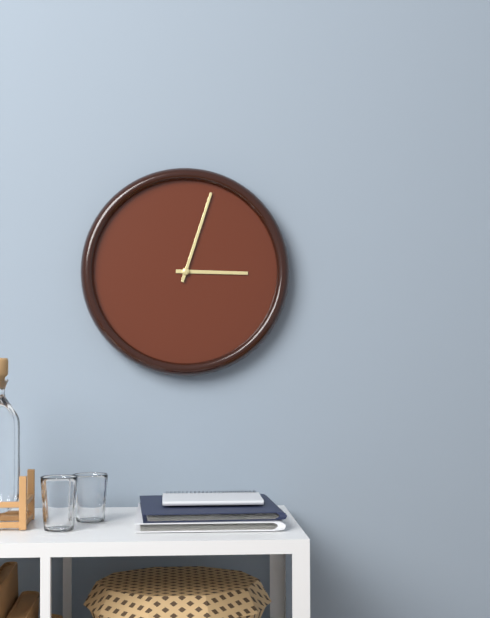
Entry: h=3 m=3
